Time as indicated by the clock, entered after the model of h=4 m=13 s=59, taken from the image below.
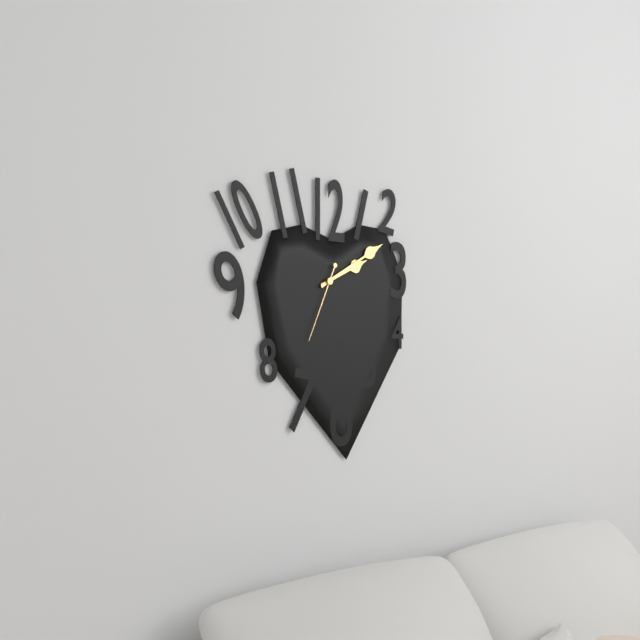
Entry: h=2 m=10 s=34
